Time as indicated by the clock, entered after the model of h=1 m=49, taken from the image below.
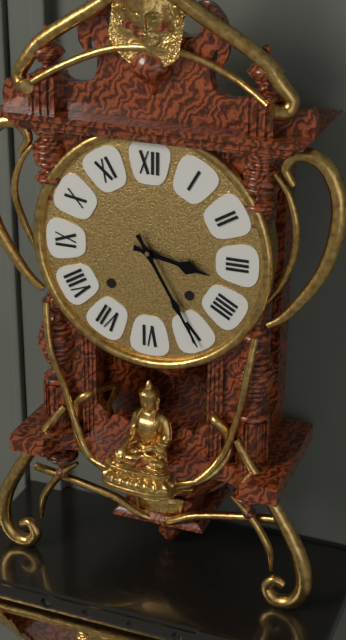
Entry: h=3 m=25
